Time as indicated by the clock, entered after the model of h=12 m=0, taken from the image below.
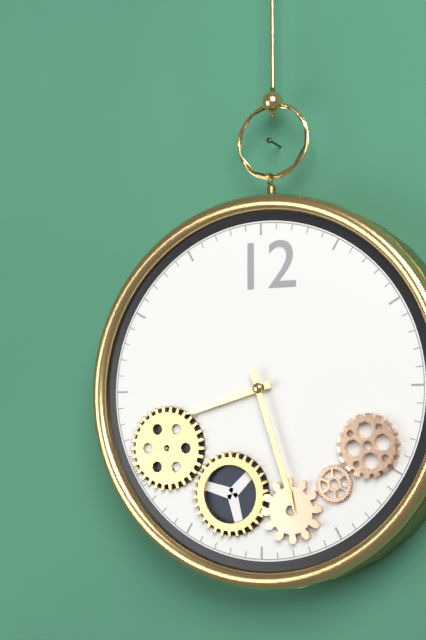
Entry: h=8 m=27
